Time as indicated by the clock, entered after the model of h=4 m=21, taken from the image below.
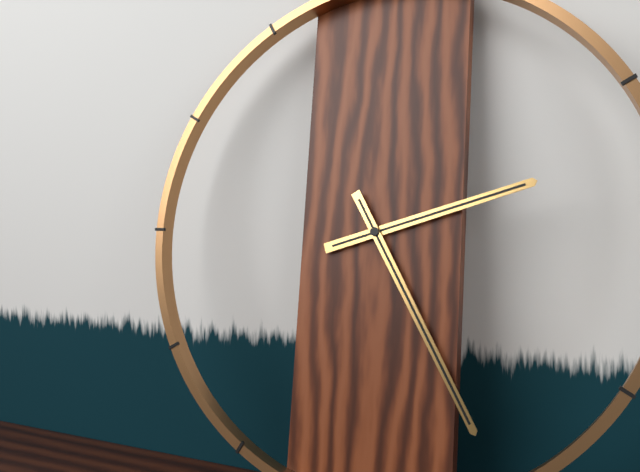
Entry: h=2 m=25
